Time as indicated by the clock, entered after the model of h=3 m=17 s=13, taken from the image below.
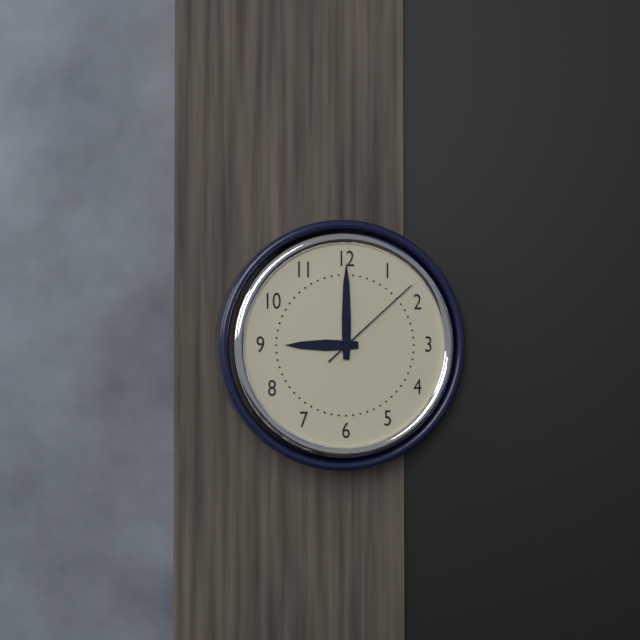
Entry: h=9 m=0 s=8
